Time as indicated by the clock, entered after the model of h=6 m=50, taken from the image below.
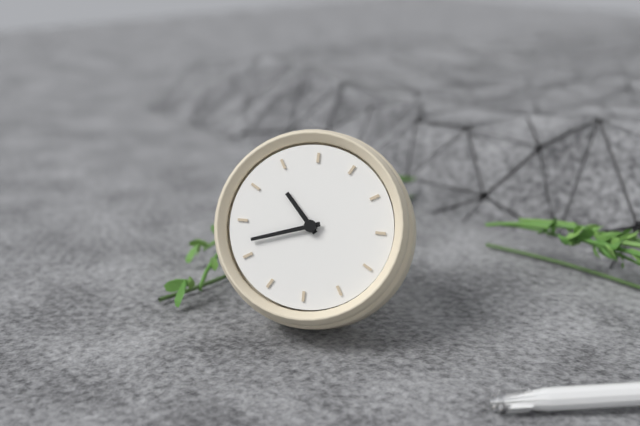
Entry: h=9 m=37
